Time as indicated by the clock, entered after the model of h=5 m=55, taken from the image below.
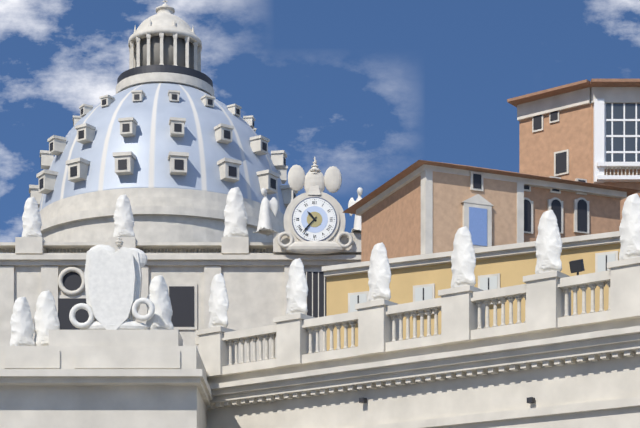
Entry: h=10 m=37
